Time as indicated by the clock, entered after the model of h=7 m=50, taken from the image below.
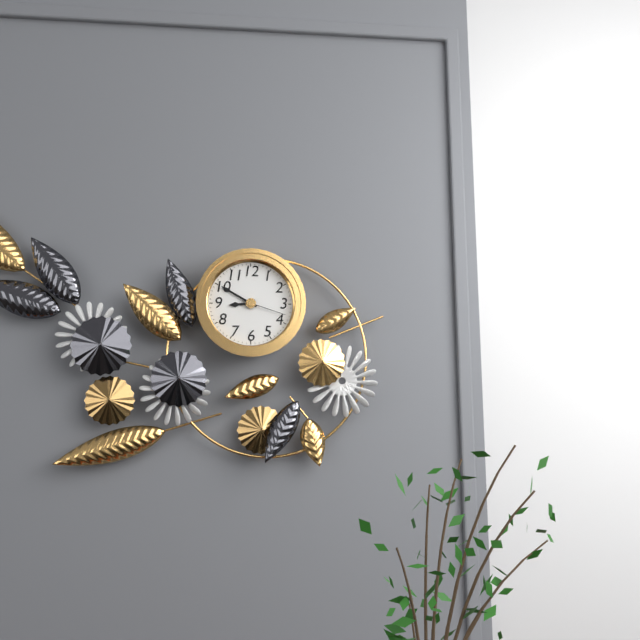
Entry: h=8 m=50
